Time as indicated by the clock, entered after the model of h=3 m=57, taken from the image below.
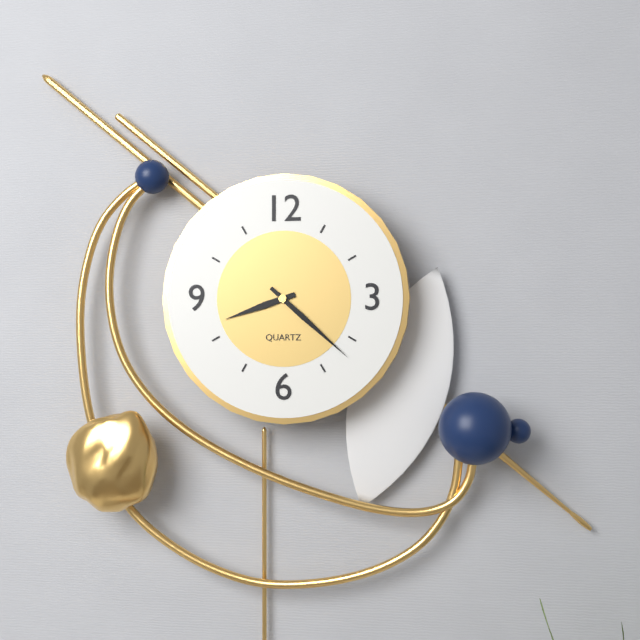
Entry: h=8 m=22
